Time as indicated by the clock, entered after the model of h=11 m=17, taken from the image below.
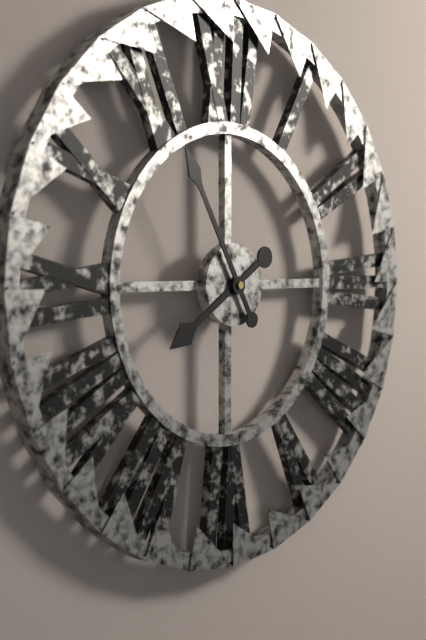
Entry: h=7 m=55
